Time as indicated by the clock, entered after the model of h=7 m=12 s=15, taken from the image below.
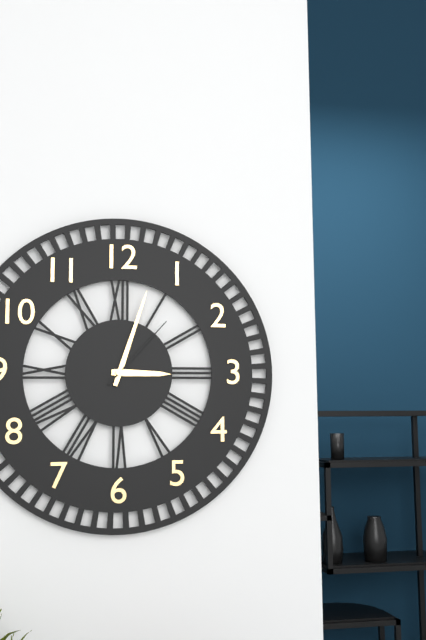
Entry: h=3 m=3 s=7
